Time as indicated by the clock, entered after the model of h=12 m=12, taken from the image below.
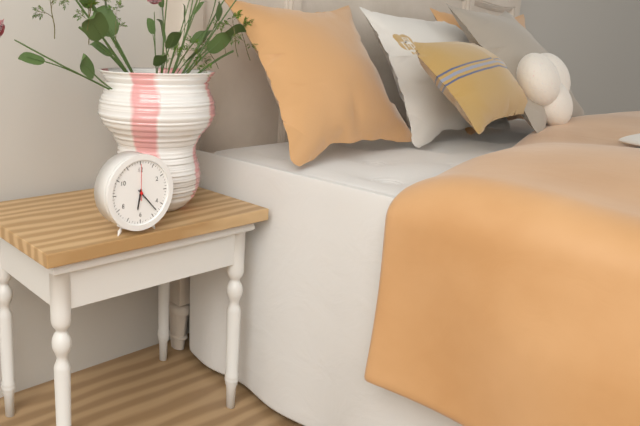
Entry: h=6 m=23
